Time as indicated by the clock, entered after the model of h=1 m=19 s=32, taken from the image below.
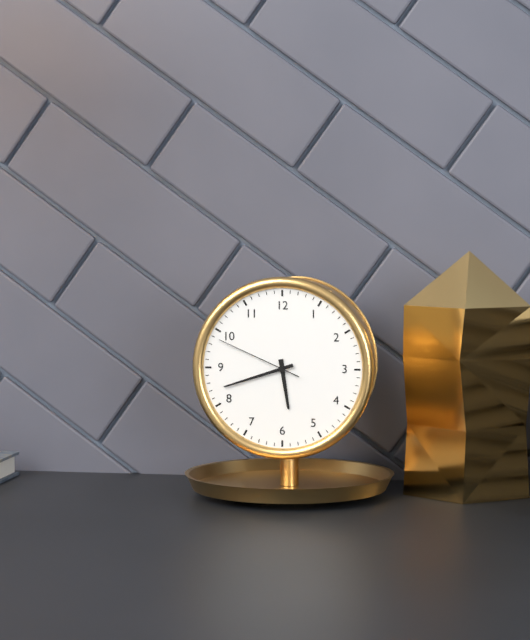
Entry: h=5 m=42 s=49
